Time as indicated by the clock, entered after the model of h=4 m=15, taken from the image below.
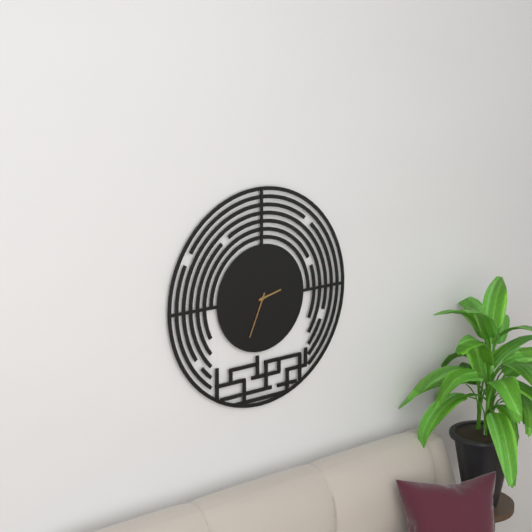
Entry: h=2 m=34
